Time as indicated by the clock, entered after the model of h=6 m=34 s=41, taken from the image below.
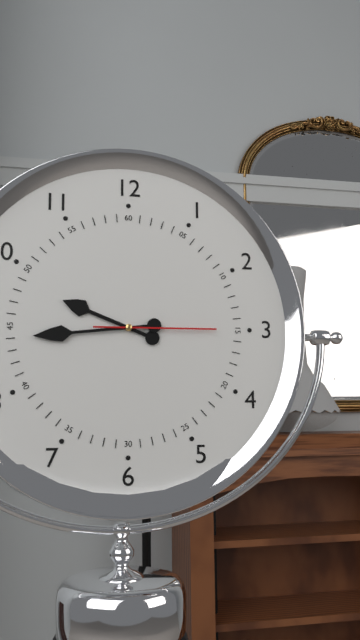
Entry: h=9 m=44 s=15
